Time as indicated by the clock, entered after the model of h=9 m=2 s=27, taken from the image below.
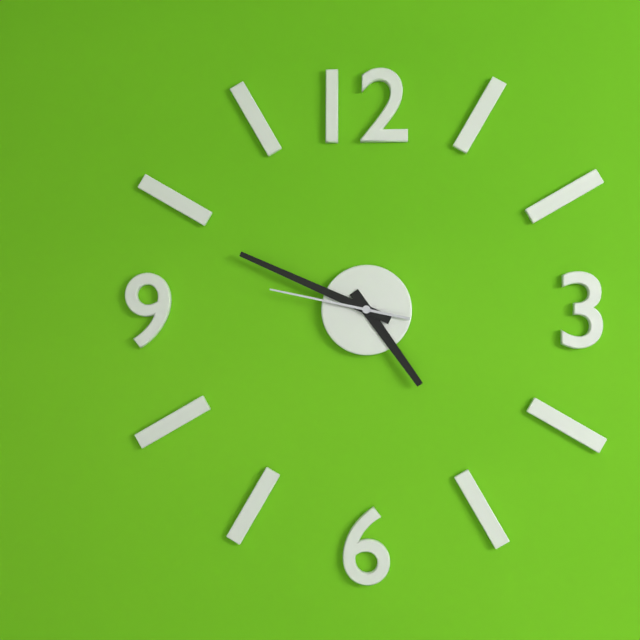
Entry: h=4 m=49 s=47
